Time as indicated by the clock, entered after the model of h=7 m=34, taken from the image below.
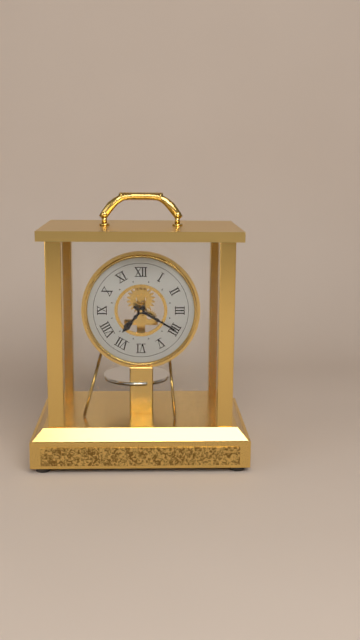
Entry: h=7 m=20
